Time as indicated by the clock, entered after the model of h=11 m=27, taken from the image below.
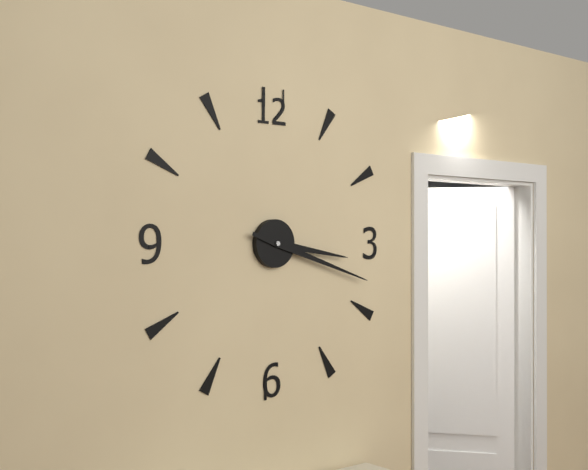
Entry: h=3 m=18
